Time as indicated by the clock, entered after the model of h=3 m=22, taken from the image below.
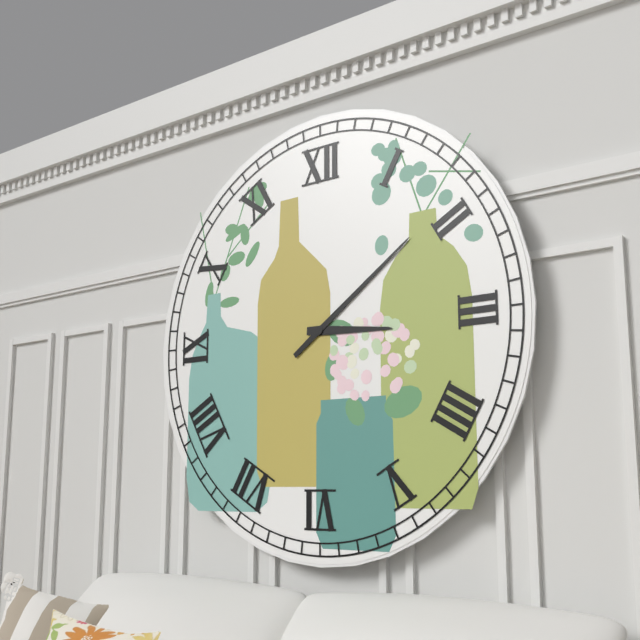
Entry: h=3 m=9
